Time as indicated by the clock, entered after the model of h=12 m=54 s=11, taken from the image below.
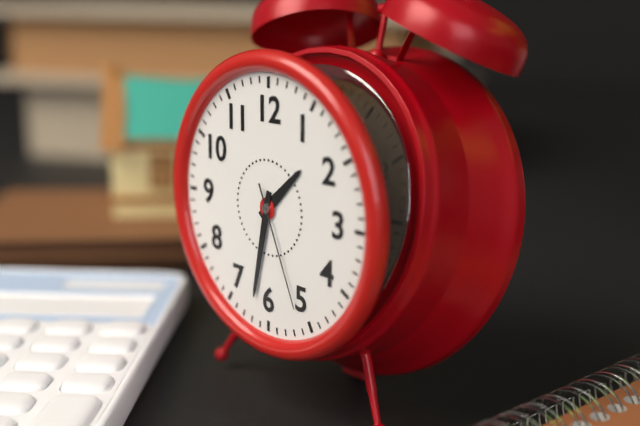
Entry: h=1 m=32 s=26
